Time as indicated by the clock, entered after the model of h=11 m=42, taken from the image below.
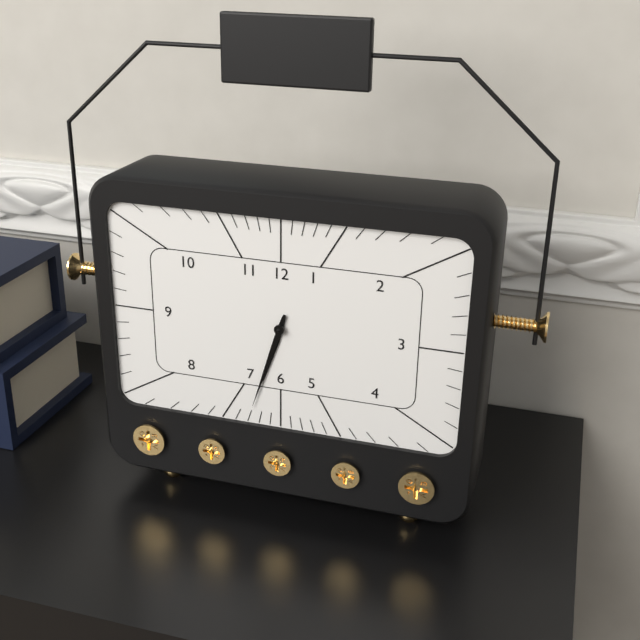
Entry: h=6 m=33
